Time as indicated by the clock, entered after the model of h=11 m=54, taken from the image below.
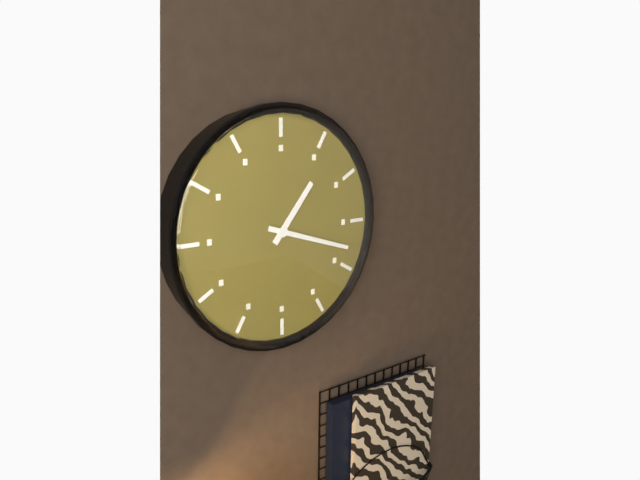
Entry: h=1 m=18
